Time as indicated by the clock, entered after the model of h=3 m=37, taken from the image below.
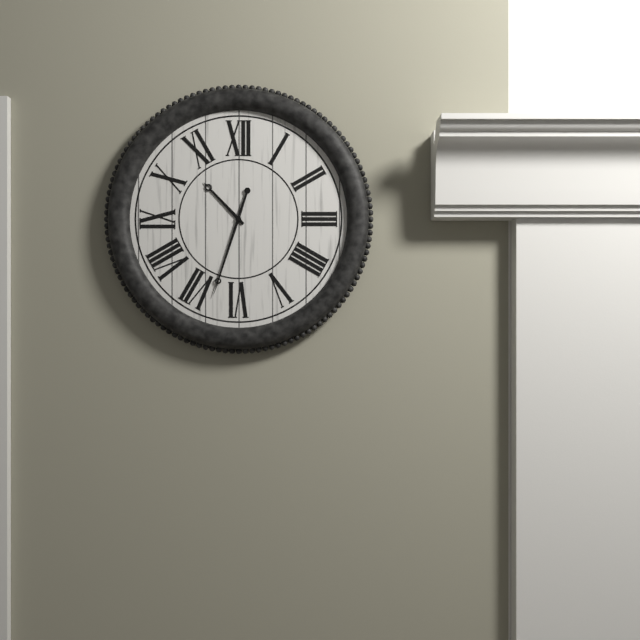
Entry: h=10 m=33
